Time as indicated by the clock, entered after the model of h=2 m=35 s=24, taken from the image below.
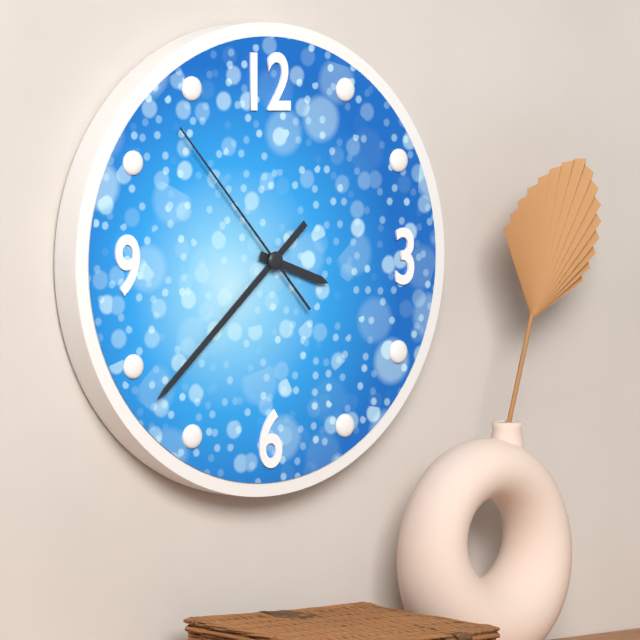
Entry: h=3 m=38 s=53
